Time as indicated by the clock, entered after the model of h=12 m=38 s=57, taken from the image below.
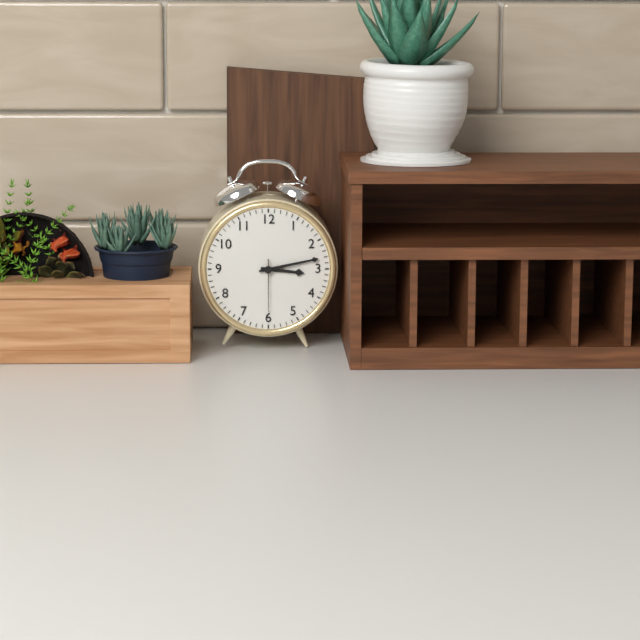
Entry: h=3 m=13 s=30
